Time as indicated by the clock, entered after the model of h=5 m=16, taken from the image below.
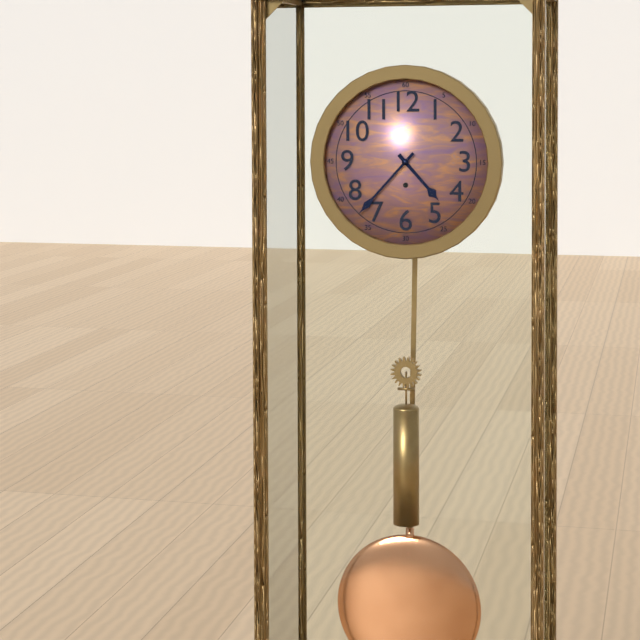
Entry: h=4 m=37
